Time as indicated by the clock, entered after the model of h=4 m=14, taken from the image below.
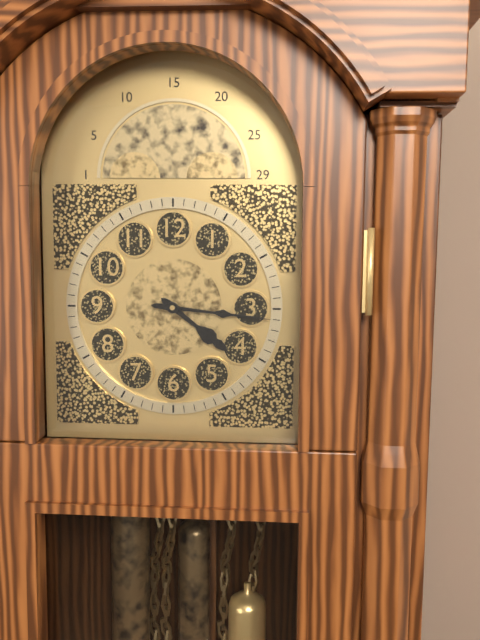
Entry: h=4 m=16
